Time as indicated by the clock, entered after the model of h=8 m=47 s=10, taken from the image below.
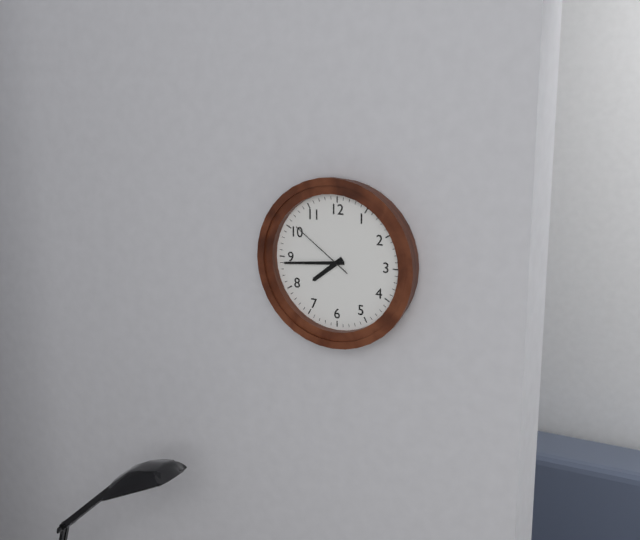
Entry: h=7 m=44 s=51
